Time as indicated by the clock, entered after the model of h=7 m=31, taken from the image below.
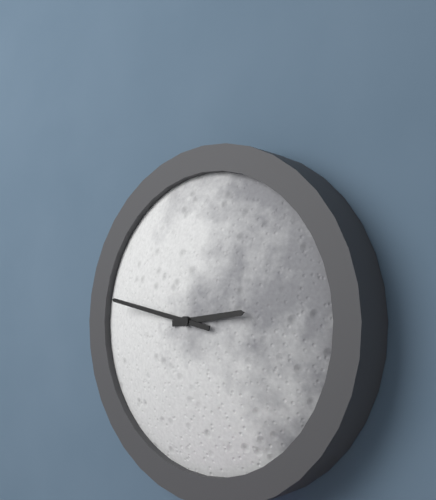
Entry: h=2 m=47
